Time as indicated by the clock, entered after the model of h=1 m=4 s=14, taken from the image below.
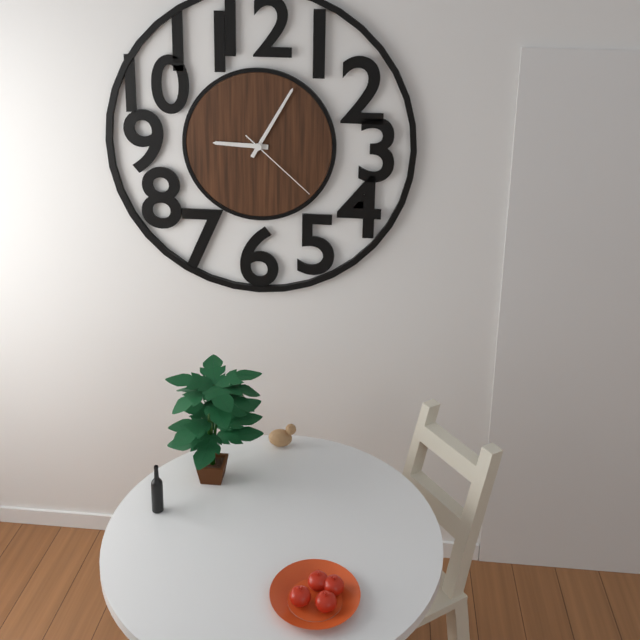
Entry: h=9 m=5 s=22
